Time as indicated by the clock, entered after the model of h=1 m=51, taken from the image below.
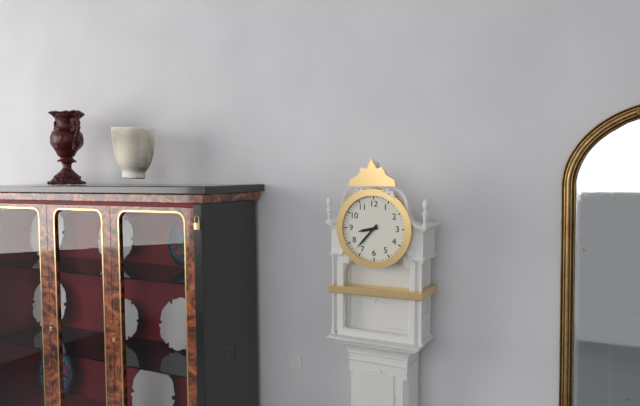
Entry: h=8 m=37
